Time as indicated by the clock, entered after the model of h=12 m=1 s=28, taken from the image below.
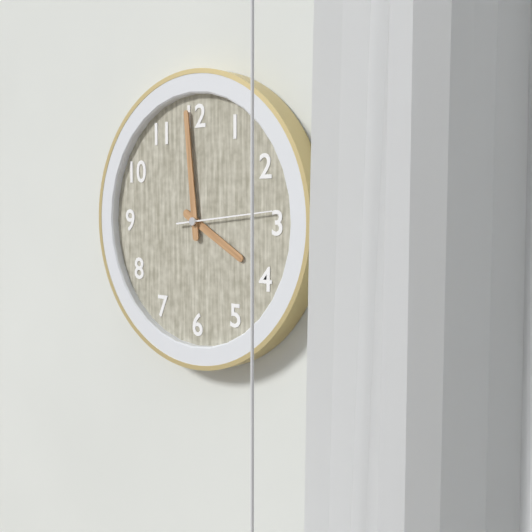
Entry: h=3 m=59 s=14
